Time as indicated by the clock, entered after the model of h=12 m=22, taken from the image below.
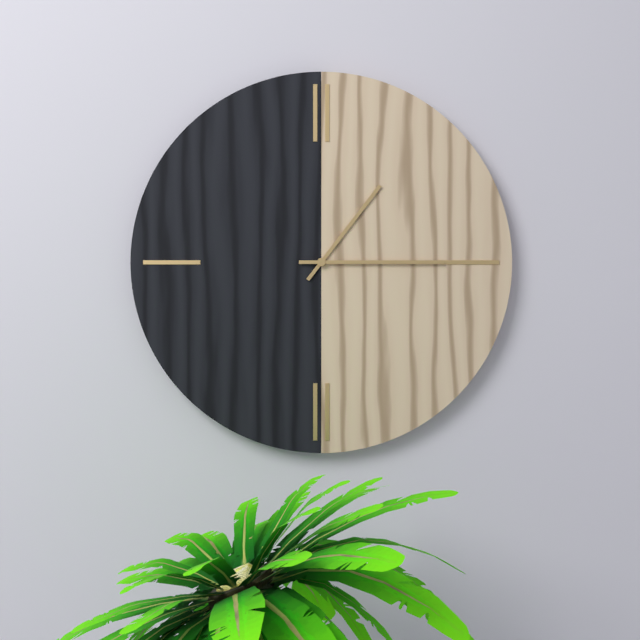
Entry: h=1 m=15
